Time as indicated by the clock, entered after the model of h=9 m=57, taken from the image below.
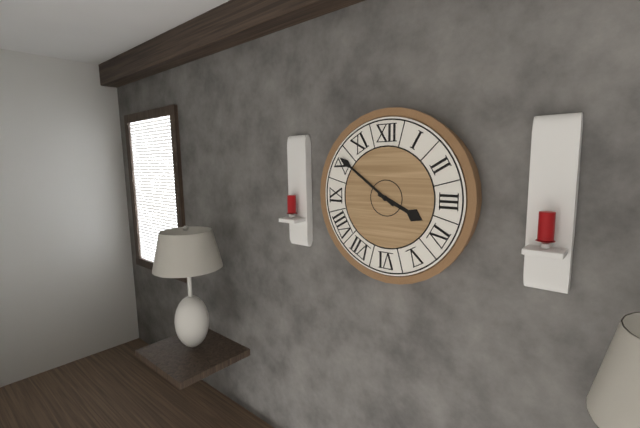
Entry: h=3 m=51
